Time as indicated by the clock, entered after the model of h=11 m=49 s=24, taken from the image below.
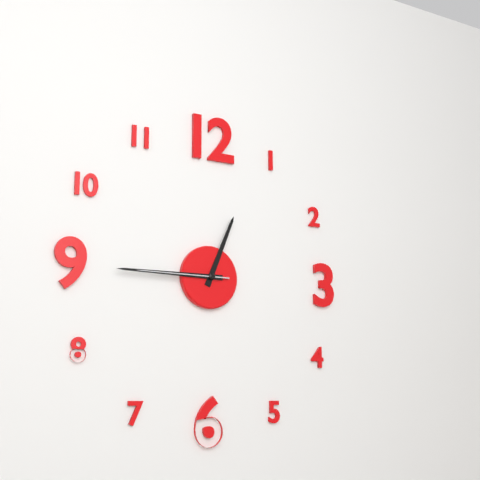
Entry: h=12 m=45 s=45
